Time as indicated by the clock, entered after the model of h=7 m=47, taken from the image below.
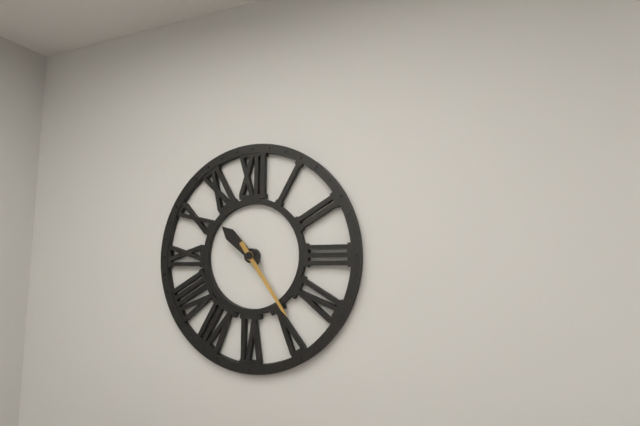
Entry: h=10 m=24
